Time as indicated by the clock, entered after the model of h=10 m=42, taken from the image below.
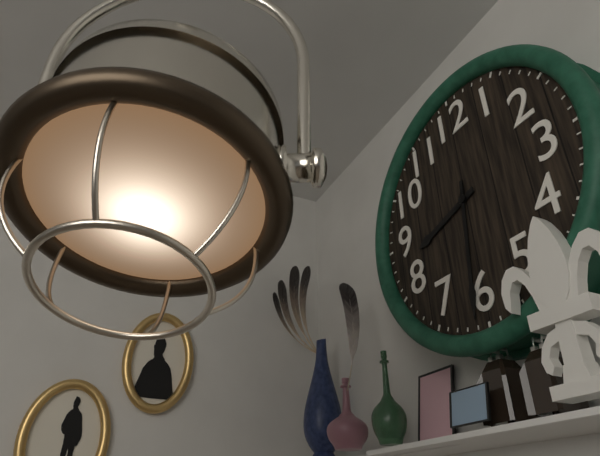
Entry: h=8 m=31
